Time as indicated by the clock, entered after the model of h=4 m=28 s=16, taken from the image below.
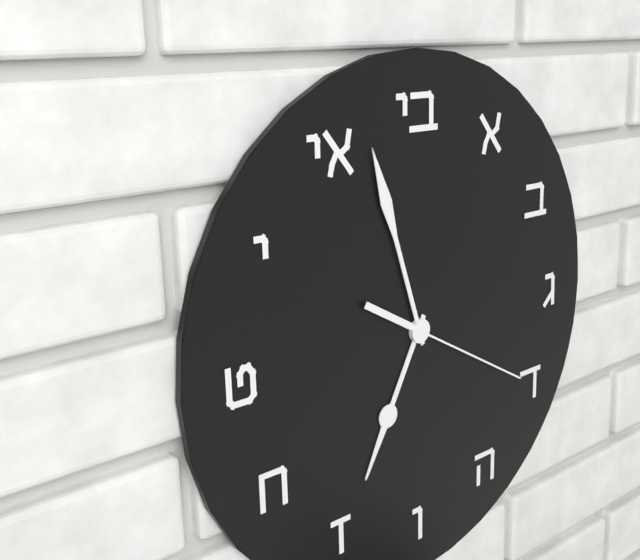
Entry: h=6 m=57 s=20
